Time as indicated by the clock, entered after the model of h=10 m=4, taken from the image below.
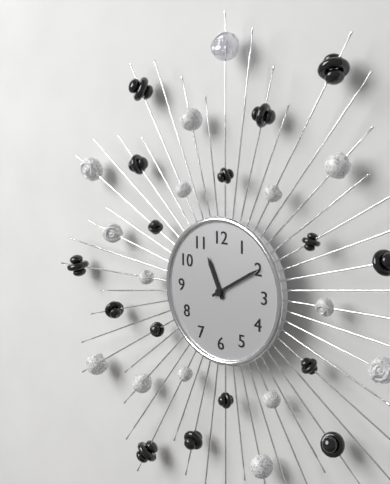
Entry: h=11 m=10
